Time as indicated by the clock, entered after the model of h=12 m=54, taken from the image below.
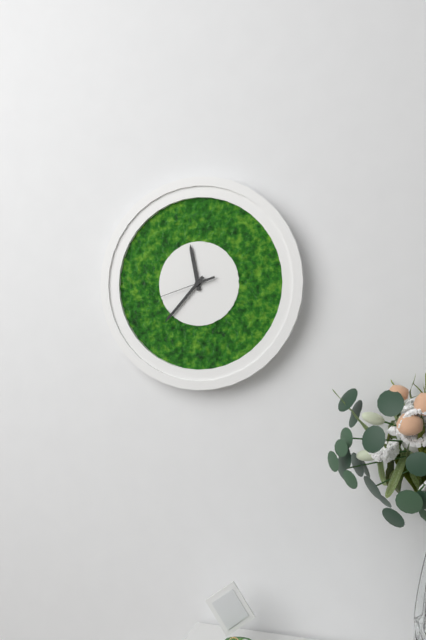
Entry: h=11 m=37
